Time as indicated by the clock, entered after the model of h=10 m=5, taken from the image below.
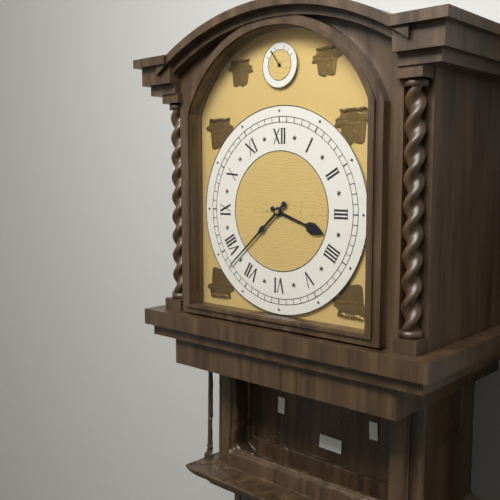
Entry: h=3 m=38
